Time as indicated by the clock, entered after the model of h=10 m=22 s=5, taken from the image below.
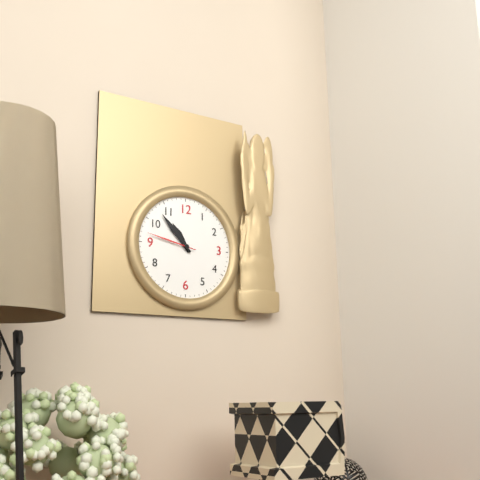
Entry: h=10 m=53 s=47
